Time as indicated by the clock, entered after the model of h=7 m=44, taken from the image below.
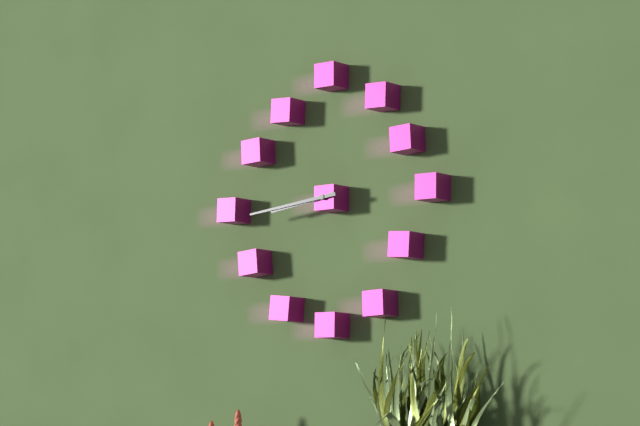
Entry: h=8 m=44
